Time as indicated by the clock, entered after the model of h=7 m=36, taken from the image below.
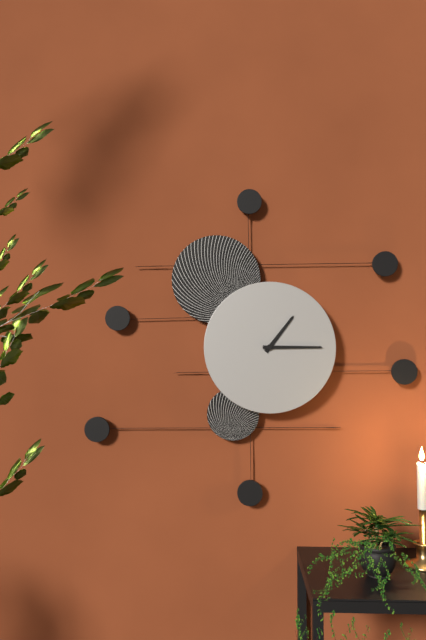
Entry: h=1 m=15
